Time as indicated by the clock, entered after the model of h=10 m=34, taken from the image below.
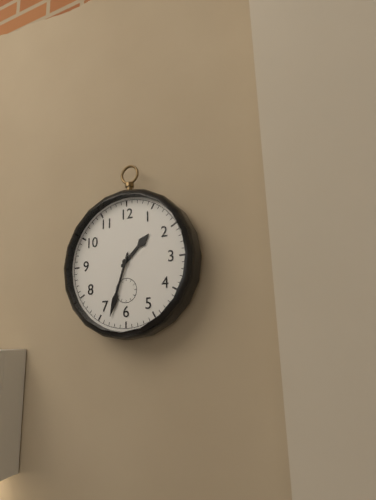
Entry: h=1 m=33
